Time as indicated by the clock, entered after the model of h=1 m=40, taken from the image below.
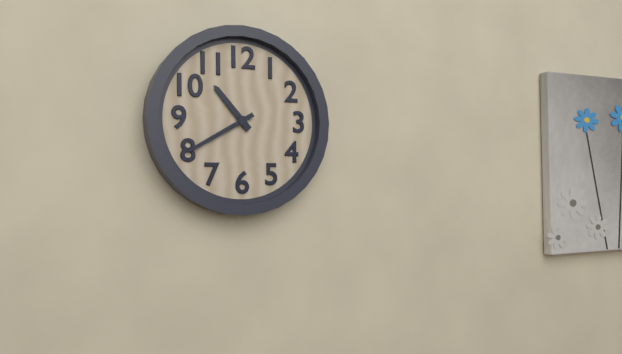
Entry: h=10 m=40
